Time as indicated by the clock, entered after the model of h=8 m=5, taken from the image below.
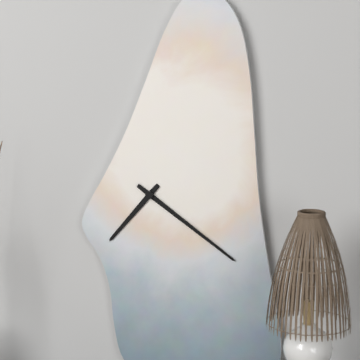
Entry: h=7 m=21
